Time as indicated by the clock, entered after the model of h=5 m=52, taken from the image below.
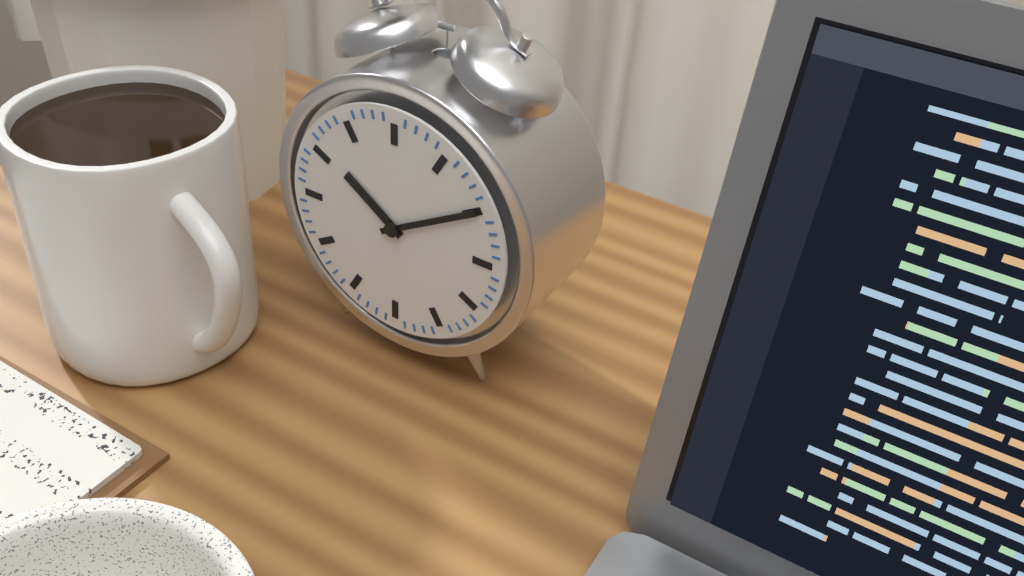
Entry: h=10 m=10
